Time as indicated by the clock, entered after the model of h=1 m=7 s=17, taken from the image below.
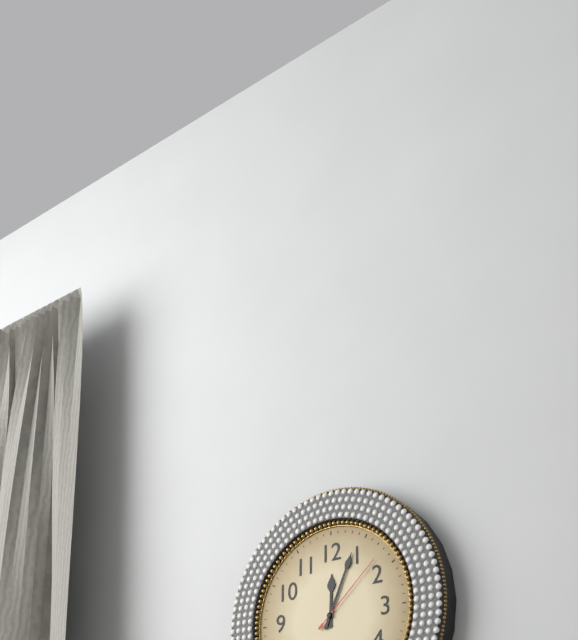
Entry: h=12 m=4 s=8
